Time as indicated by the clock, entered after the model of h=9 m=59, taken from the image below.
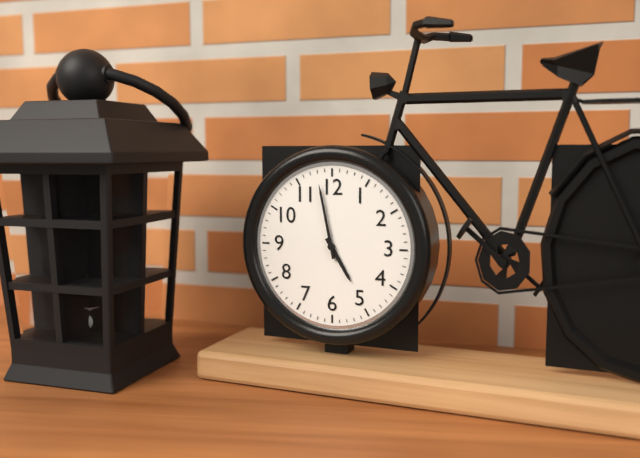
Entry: h=4 m=58
